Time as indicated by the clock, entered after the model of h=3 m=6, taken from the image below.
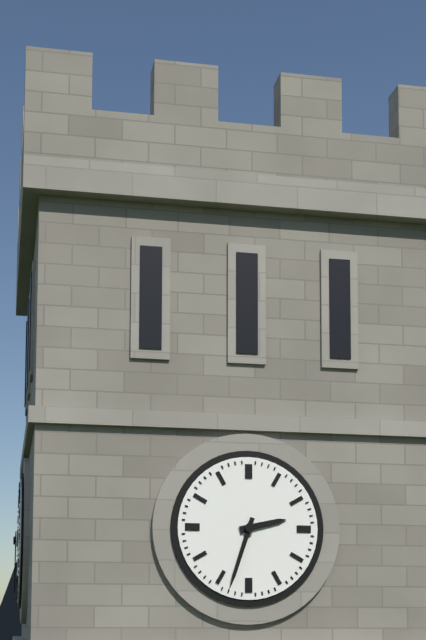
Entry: h=2 m=33
